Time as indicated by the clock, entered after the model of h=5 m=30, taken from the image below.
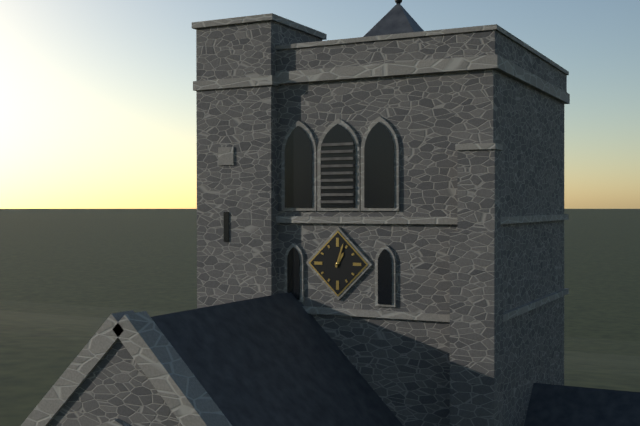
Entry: h=1 m=3
